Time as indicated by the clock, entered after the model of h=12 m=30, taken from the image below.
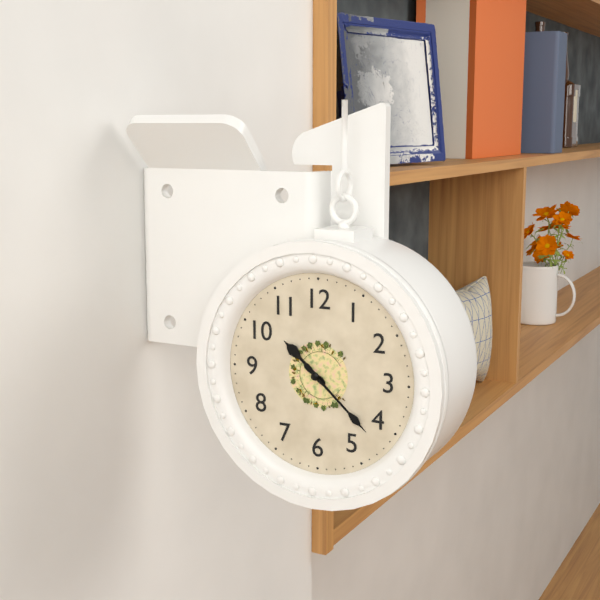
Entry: h=10 m=22
